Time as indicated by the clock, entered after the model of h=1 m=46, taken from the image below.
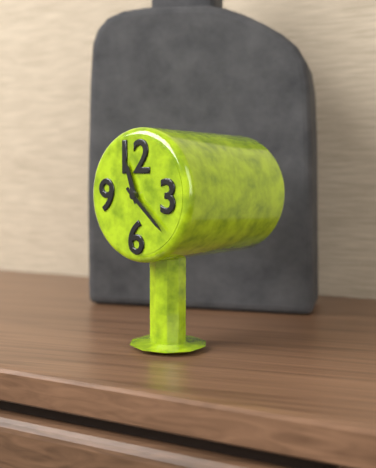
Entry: h=11 m=22
